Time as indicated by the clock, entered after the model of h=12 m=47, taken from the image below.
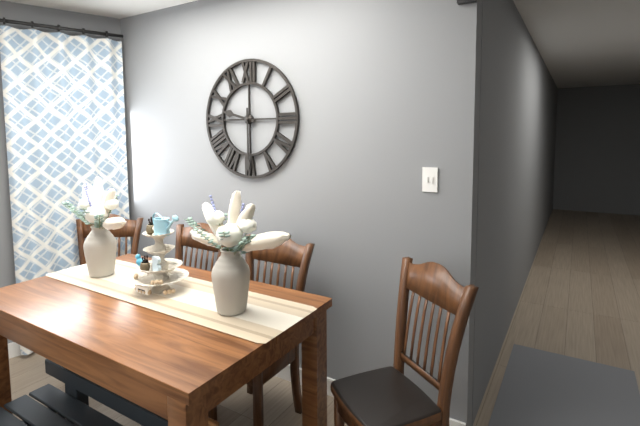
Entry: h=9 m=30
